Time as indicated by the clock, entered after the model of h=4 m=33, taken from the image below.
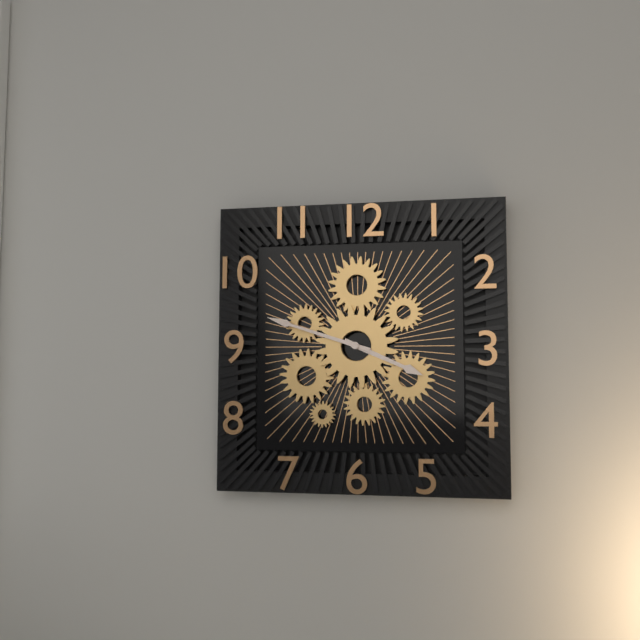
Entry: h=3 m=48
